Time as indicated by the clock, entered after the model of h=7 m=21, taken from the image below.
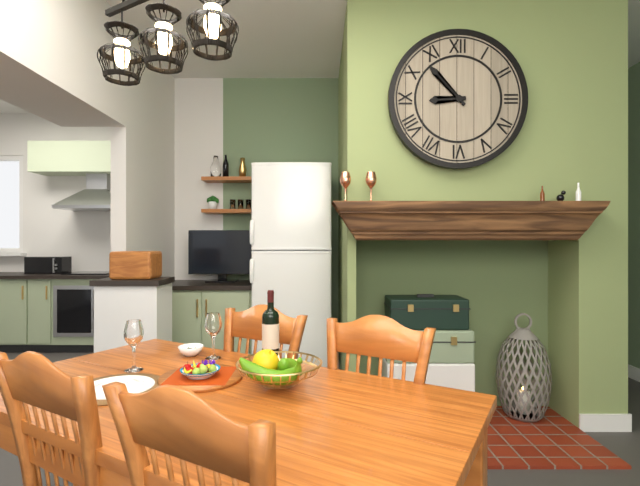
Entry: h=8 m=53
